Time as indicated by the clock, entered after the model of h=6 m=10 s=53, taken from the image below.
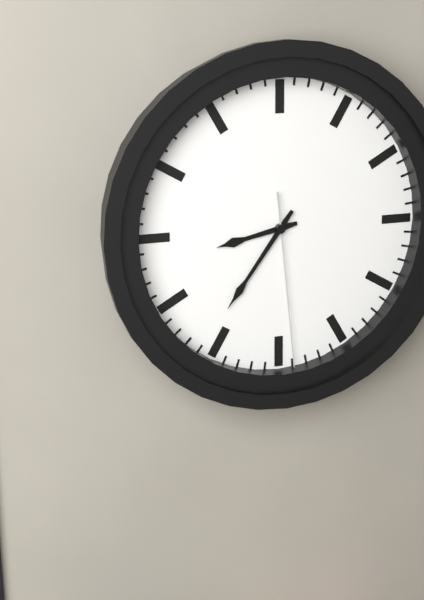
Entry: h=8 m=36 s=29
